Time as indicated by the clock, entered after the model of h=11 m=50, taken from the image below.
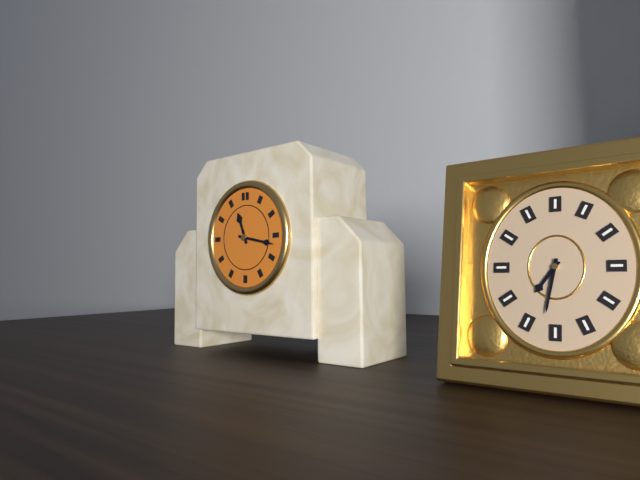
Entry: h=11 m=17
